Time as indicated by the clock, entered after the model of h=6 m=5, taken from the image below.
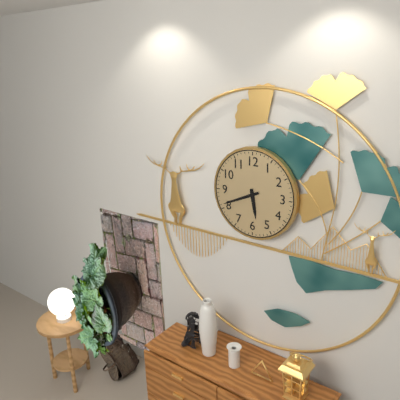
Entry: h=5 m=41
